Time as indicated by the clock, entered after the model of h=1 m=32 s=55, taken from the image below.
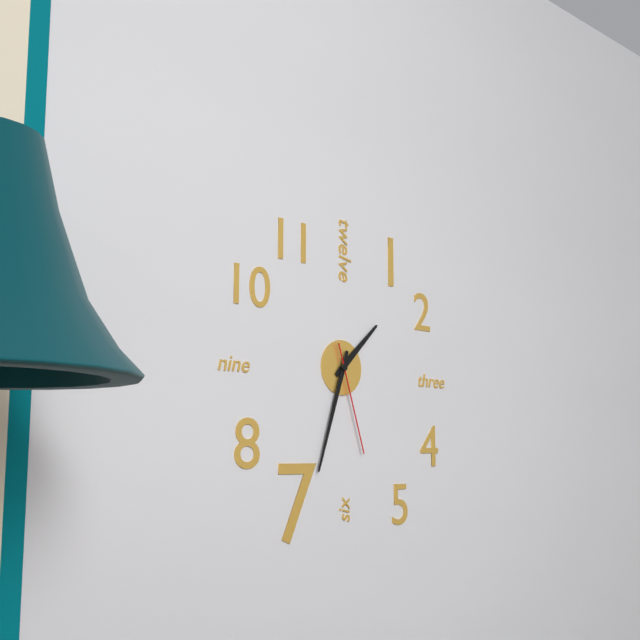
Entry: h=1 m=33 s=27
